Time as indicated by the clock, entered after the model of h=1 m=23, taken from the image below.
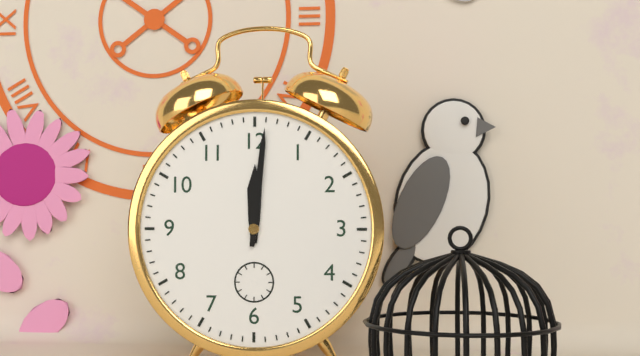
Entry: h=12 m=1
